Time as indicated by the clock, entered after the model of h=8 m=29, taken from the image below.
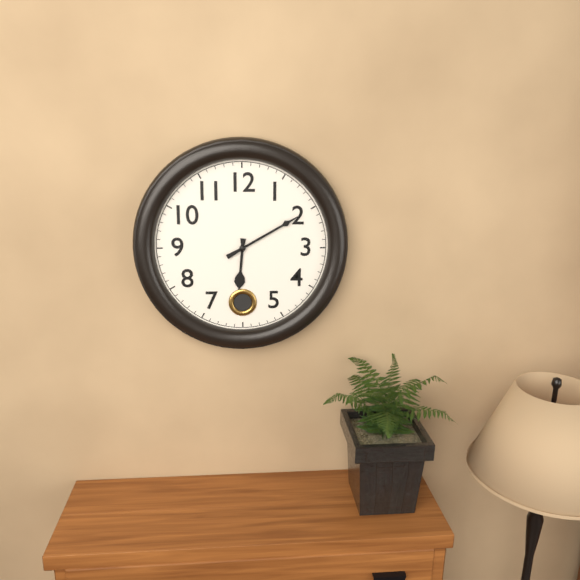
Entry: h=6 m=10
